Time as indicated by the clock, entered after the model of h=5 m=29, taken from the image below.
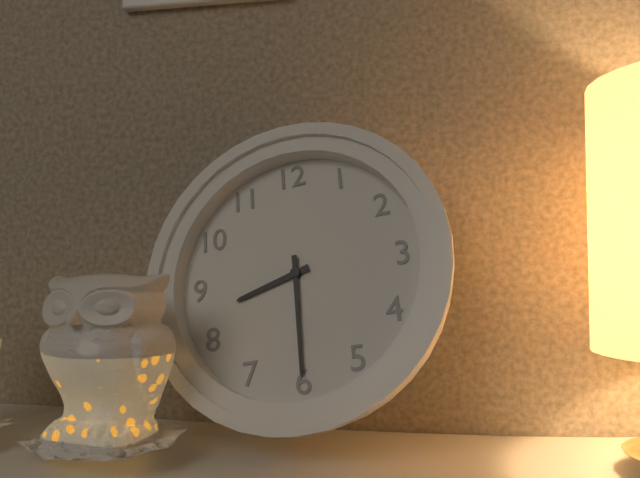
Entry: h=8 m=30
